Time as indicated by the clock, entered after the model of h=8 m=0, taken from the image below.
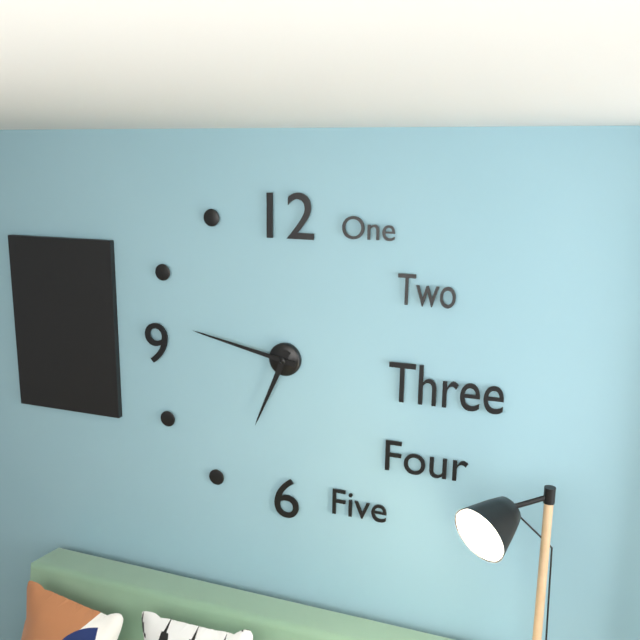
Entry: h=6 m=47
